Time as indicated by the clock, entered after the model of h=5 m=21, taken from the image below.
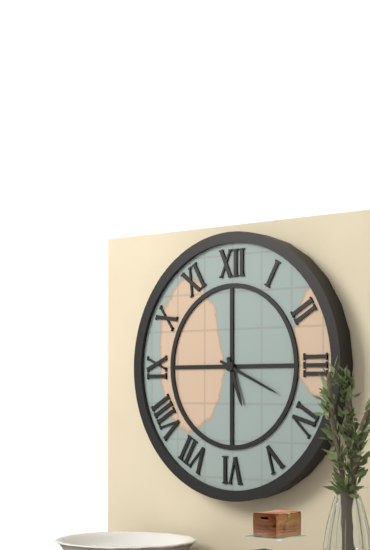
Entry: h=5 m=19
